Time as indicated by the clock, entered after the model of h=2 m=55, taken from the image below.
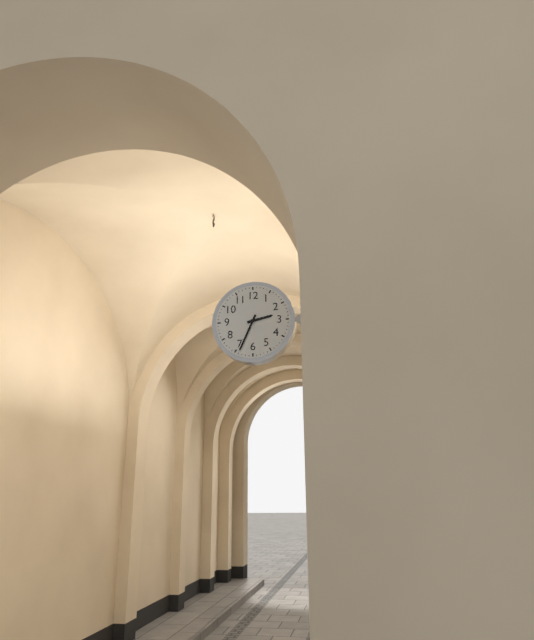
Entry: h=2 m=34
